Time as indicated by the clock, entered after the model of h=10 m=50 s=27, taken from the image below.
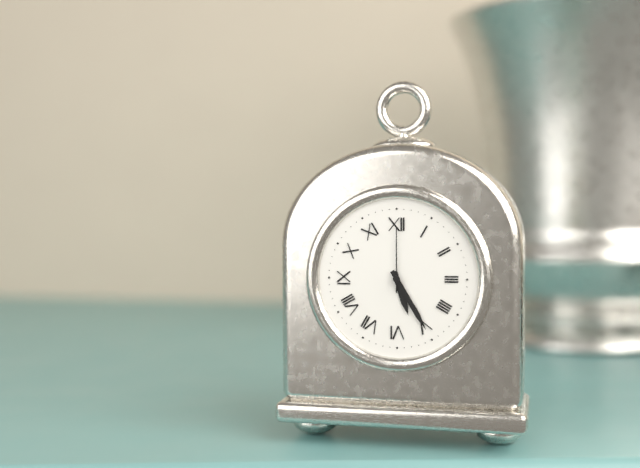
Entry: h=5 m=25 s=0
